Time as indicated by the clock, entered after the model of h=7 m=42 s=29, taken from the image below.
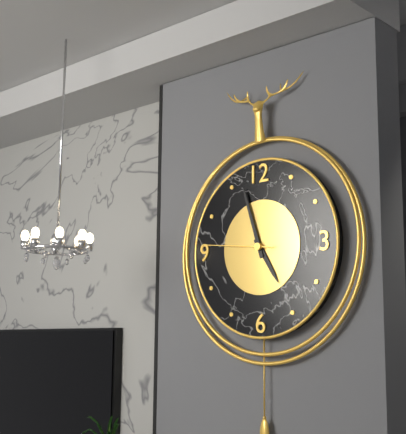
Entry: h=4 m=57 s=46
